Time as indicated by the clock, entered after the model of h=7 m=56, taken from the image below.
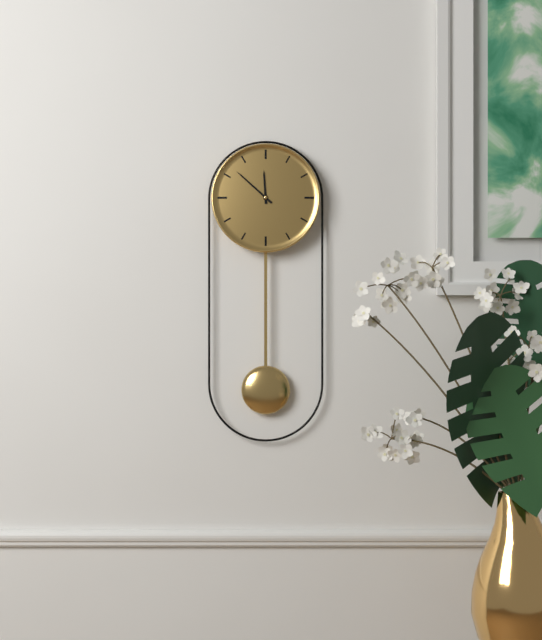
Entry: h=11 m=52
